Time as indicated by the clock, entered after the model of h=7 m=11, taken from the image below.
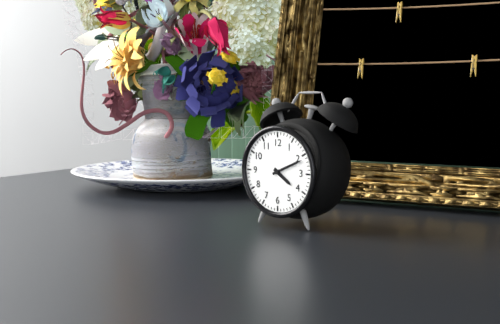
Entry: h=4 m=11
